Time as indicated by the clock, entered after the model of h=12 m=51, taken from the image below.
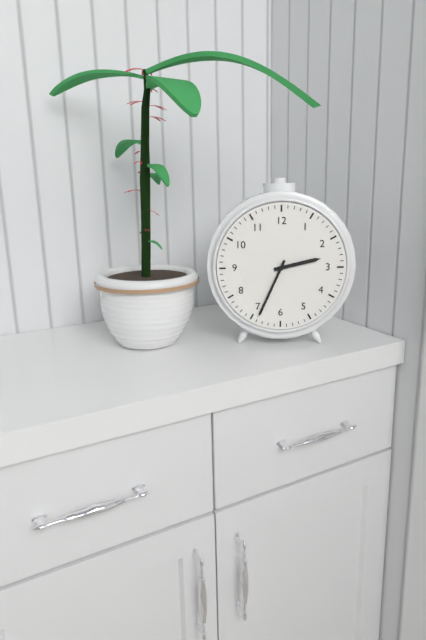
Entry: h=2 m=34
